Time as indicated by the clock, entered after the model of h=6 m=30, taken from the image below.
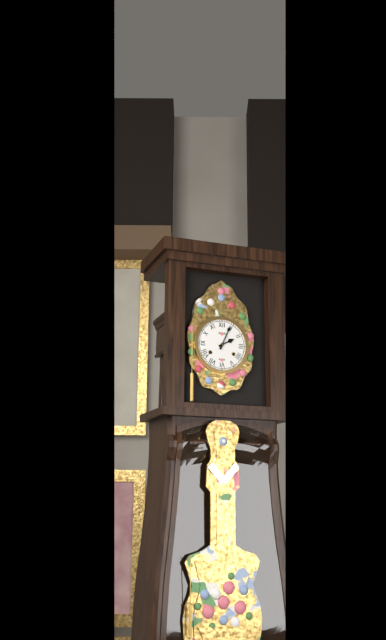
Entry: h=2 m=4
